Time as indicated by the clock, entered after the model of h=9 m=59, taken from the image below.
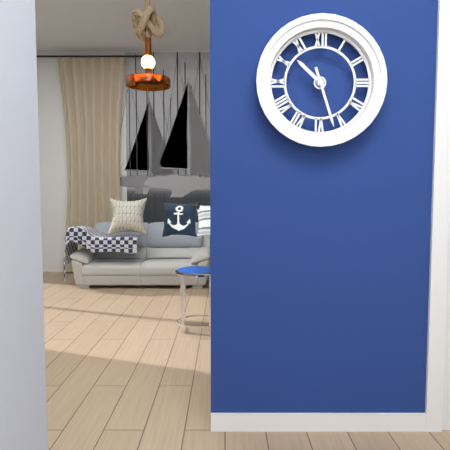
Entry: h=10 m=27
